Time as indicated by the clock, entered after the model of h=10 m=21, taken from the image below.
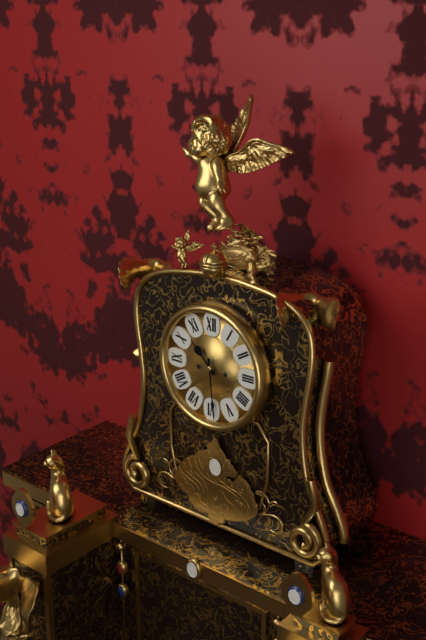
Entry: h=10 m=29
